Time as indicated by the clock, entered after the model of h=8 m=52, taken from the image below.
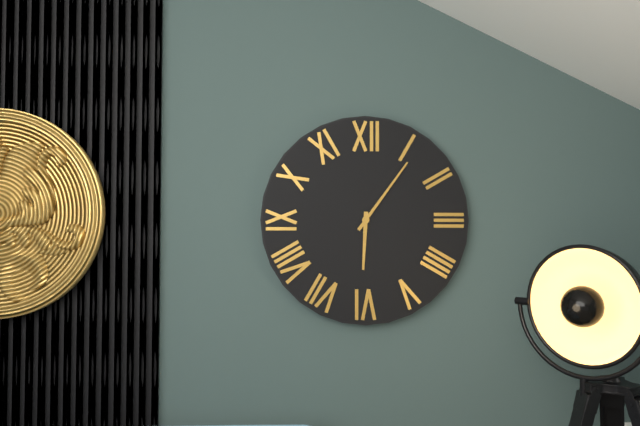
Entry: h=6 m=6
